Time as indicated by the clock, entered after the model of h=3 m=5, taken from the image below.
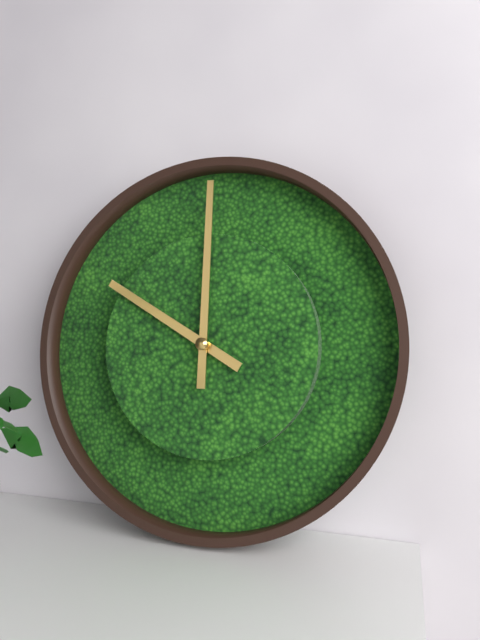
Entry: h=10 m=0
